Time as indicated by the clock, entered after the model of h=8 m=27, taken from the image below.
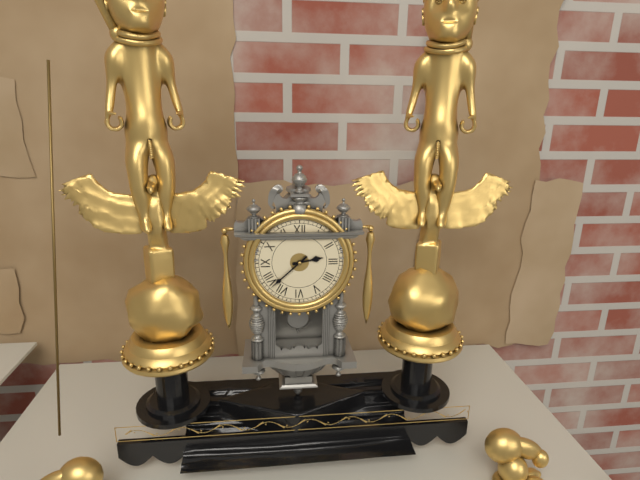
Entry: h=2 m=38
